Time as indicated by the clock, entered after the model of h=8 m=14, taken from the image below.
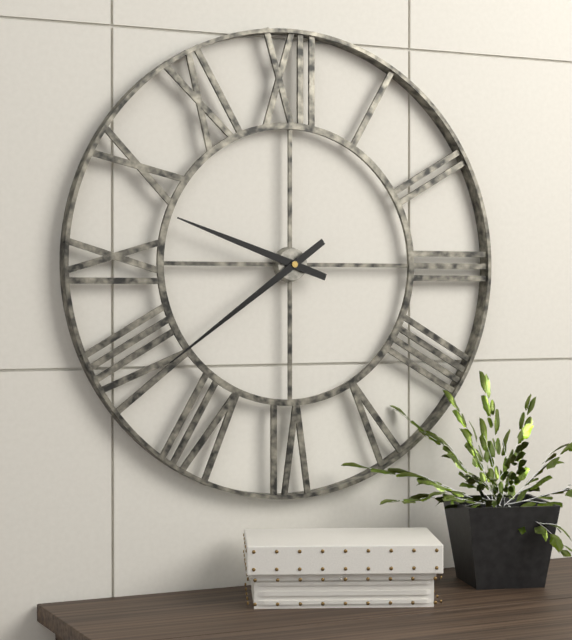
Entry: h=9 m=39
